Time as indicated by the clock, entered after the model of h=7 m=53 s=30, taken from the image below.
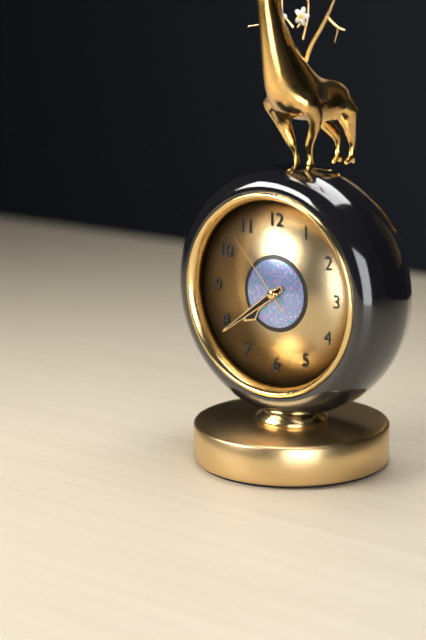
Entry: h=7 m=39 s=53
